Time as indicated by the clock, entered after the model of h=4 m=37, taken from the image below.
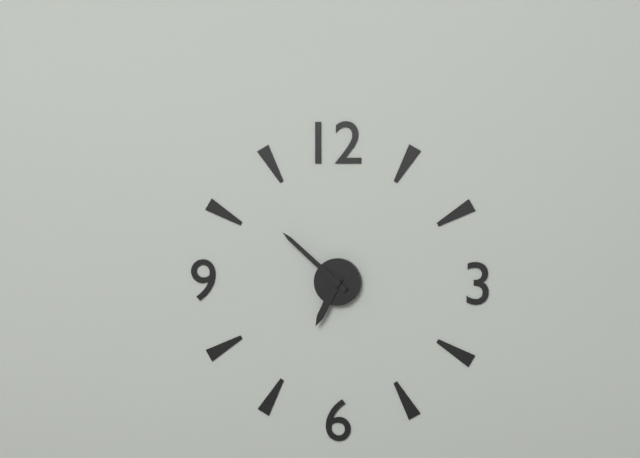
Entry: h=6 m=52
